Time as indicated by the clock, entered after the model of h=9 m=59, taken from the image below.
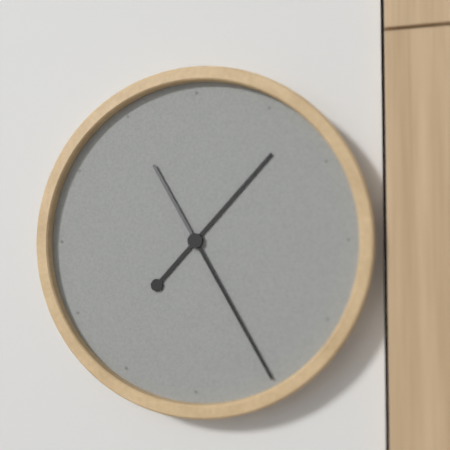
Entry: h=1 m=25
